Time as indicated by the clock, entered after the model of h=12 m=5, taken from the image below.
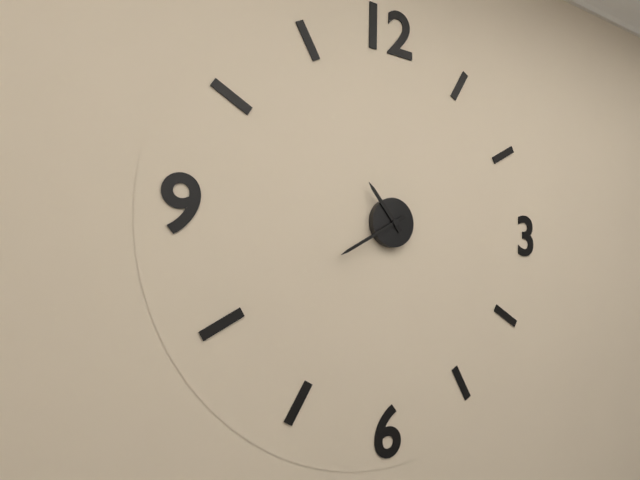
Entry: h=10 m=40
